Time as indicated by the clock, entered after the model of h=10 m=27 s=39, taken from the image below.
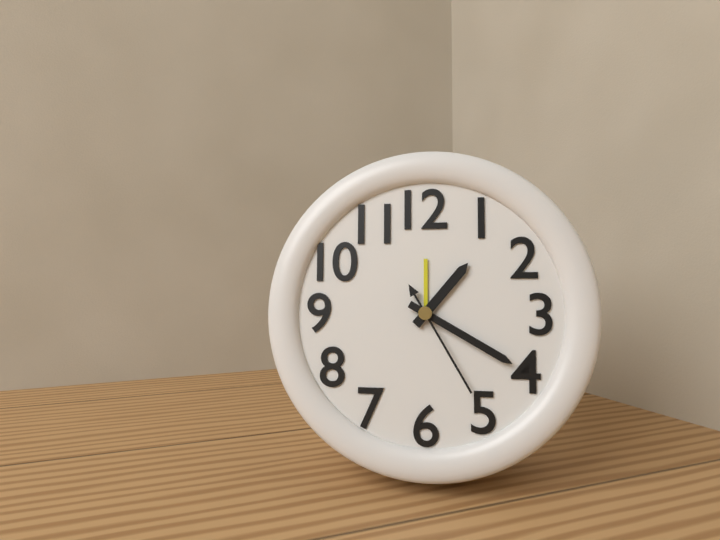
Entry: h=1 m=20 s=25
